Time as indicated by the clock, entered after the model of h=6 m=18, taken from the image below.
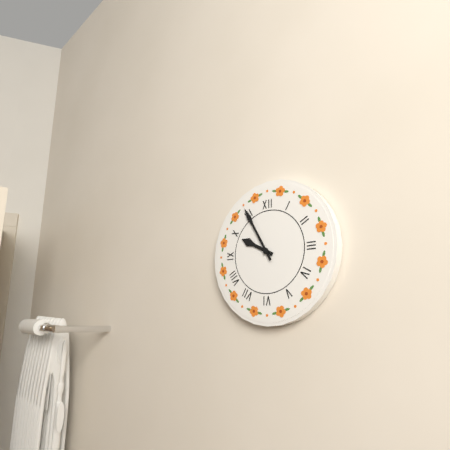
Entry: h=9 m=55
